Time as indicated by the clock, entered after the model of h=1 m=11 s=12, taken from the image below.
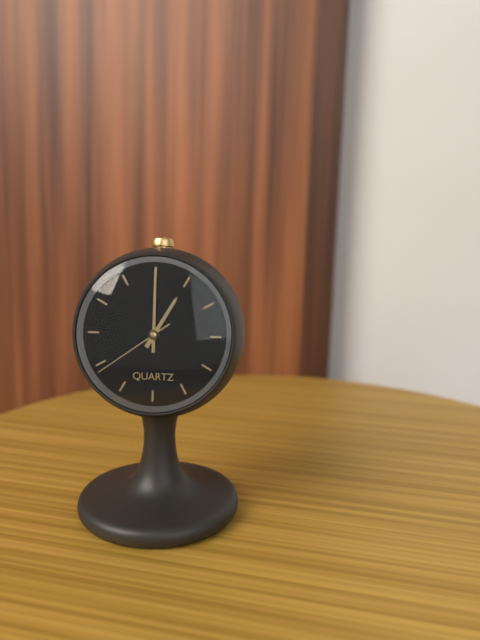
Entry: h=1 m=0 s=39
